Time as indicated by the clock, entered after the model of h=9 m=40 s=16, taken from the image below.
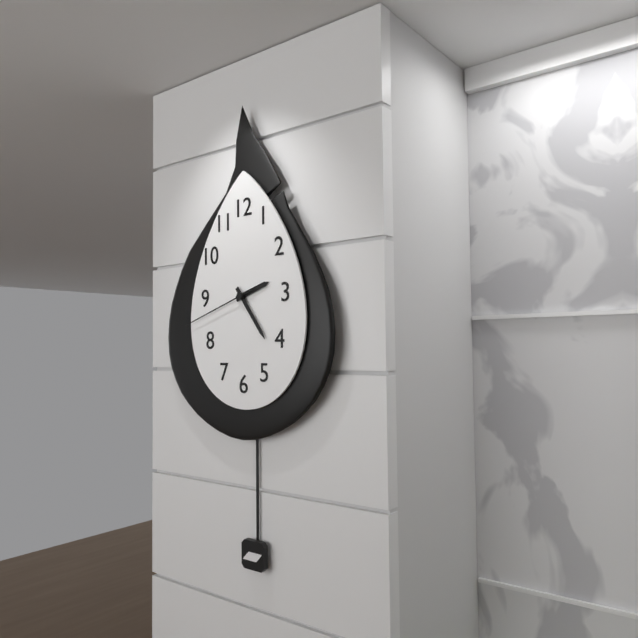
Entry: h=2 m=24 s=42
